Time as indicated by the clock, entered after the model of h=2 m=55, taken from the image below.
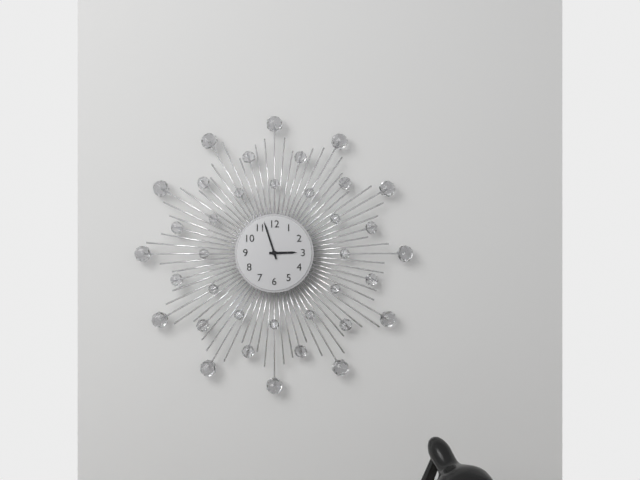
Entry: h=2 m=57
